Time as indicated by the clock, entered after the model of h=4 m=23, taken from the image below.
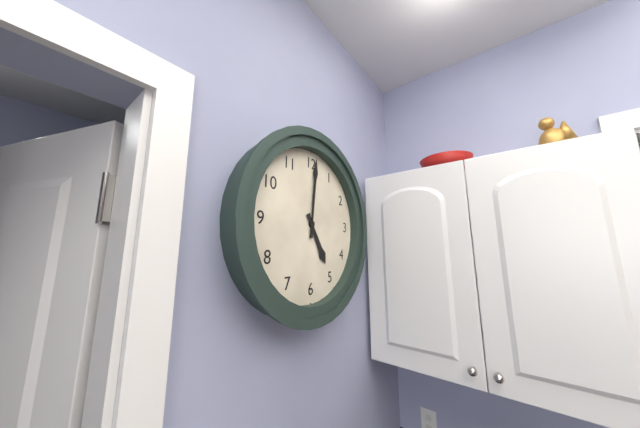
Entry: h=5 m=1
